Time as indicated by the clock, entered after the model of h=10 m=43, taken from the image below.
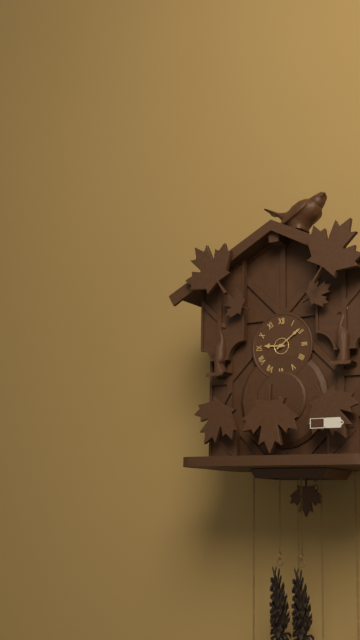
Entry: h=9 m=9
